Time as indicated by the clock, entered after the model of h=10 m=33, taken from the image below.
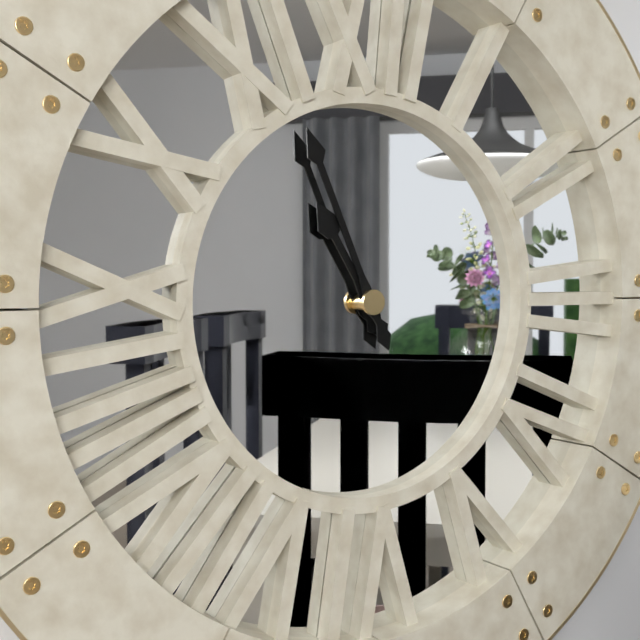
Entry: h=10 m=56
